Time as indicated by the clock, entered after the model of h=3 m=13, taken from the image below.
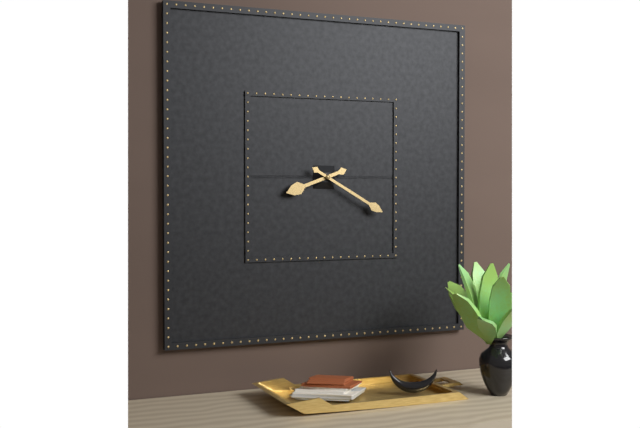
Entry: h=8 m=20
